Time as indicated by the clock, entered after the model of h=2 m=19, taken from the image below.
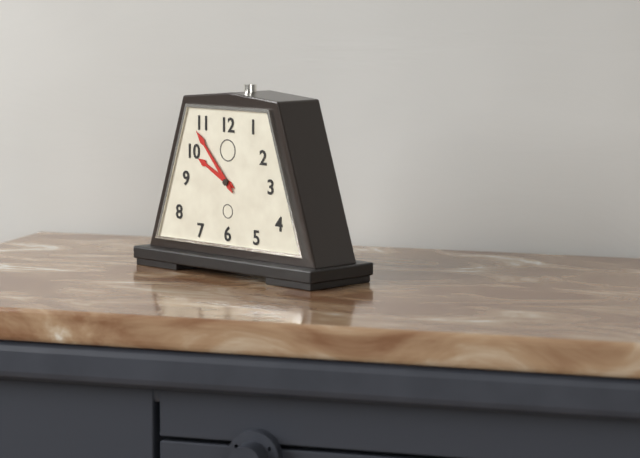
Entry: h=9 m=53
